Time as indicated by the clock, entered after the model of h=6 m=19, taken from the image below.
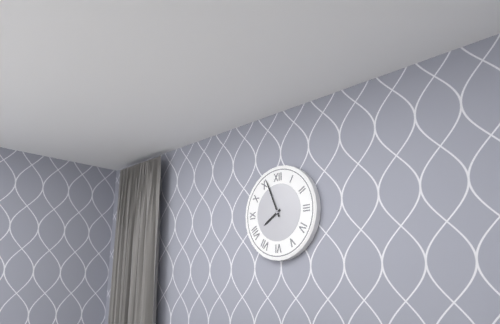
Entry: h=7 m=56
